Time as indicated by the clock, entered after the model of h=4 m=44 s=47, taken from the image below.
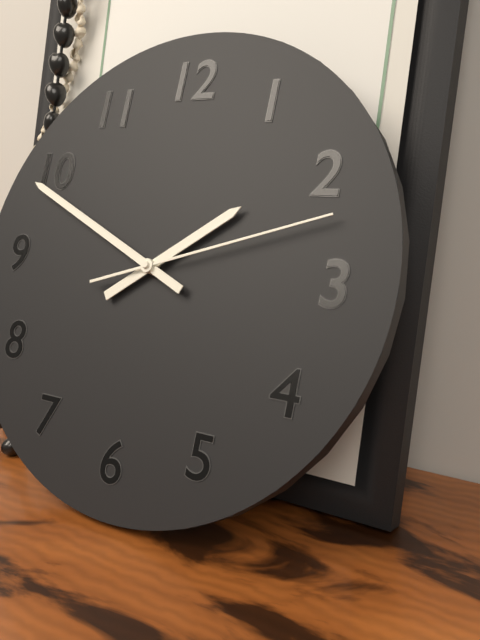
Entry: h=1 m=49 s=12
